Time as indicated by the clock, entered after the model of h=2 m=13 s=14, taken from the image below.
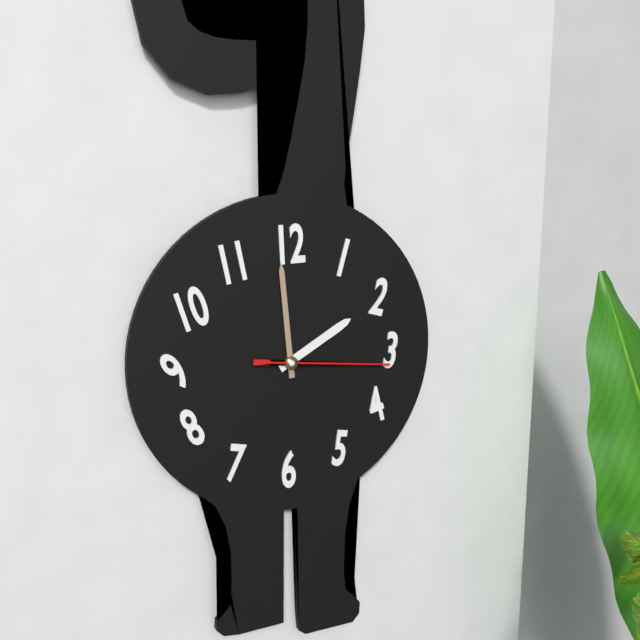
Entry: h=1 m=59 s=16
